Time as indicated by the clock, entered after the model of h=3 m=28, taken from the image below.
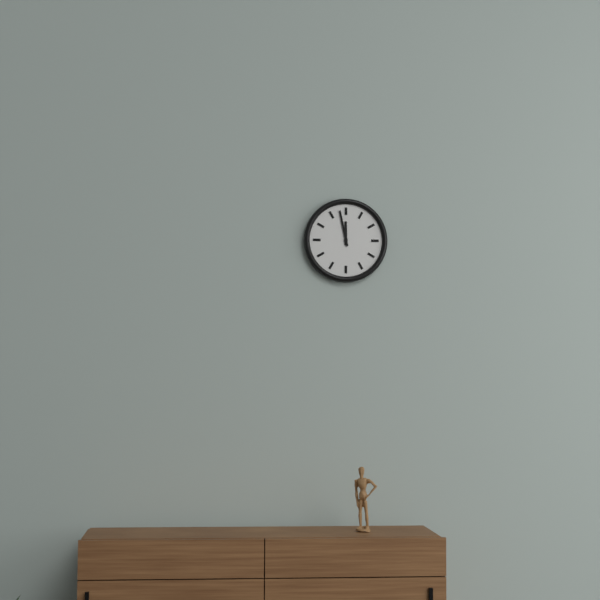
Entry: h=11 m=58
